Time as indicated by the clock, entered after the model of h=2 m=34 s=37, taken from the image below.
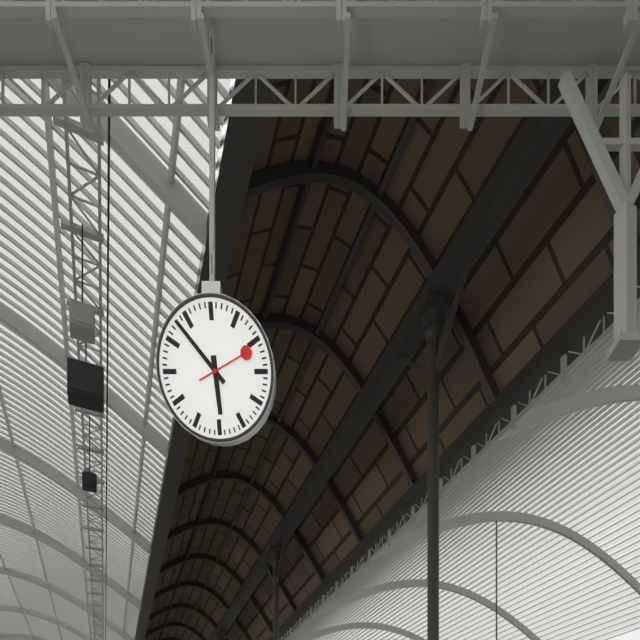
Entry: h=5 m=53 s=11
